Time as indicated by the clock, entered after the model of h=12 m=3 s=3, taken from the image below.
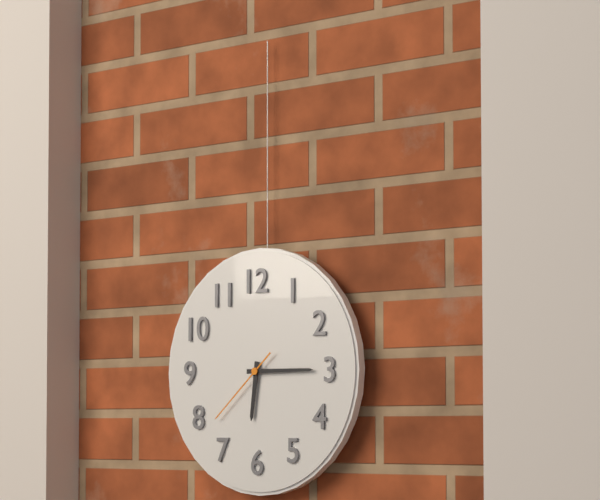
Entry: h=6 m=15 s=38
